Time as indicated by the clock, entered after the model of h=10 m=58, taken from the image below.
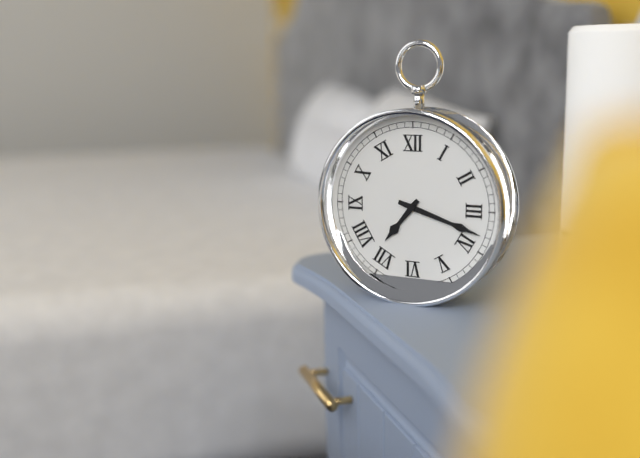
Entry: h=7 m=18
